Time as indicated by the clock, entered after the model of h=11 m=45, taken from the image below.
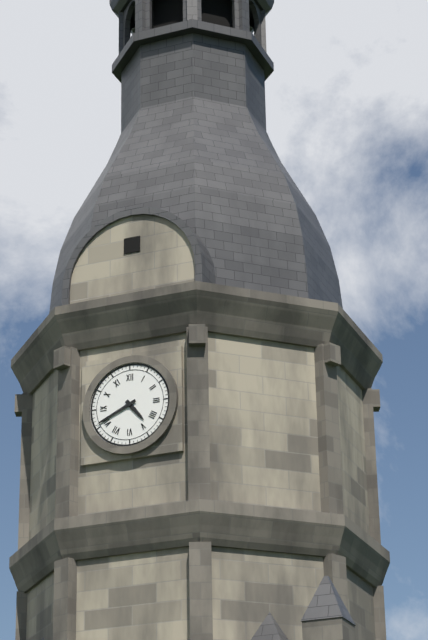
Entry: h=4 m=41
